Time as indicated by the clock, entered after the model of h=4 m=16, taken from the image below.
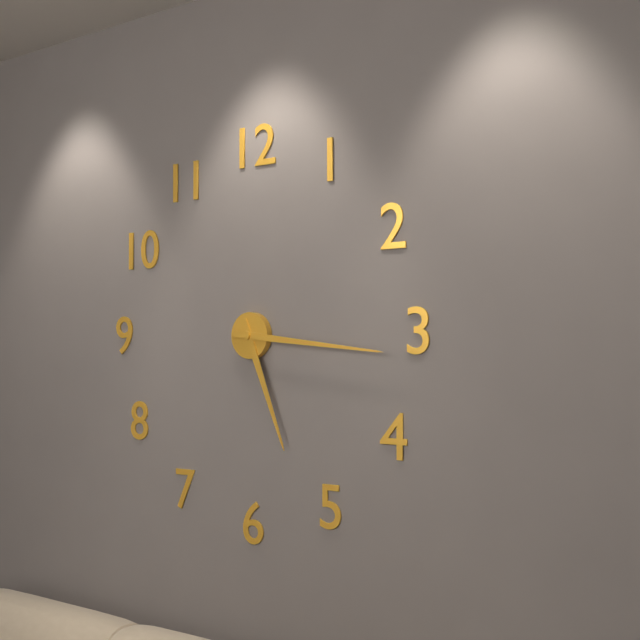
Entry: h=5 m=16
